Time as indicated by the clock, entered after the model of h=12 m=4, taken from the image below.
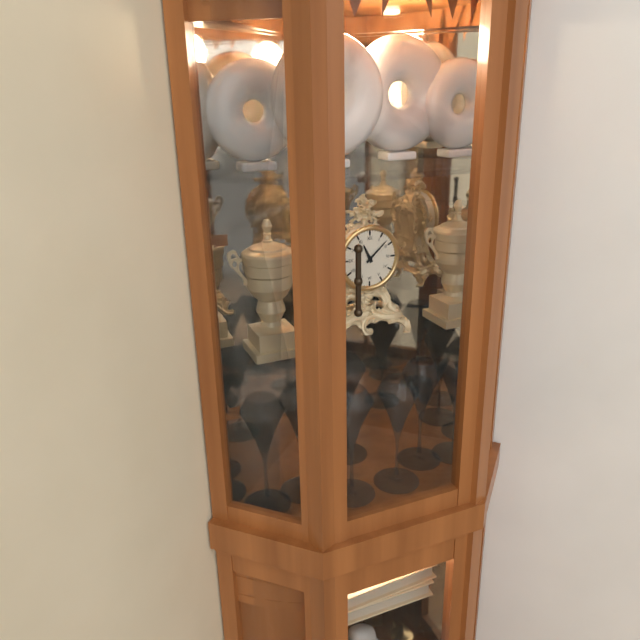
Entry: h=11 m=8
